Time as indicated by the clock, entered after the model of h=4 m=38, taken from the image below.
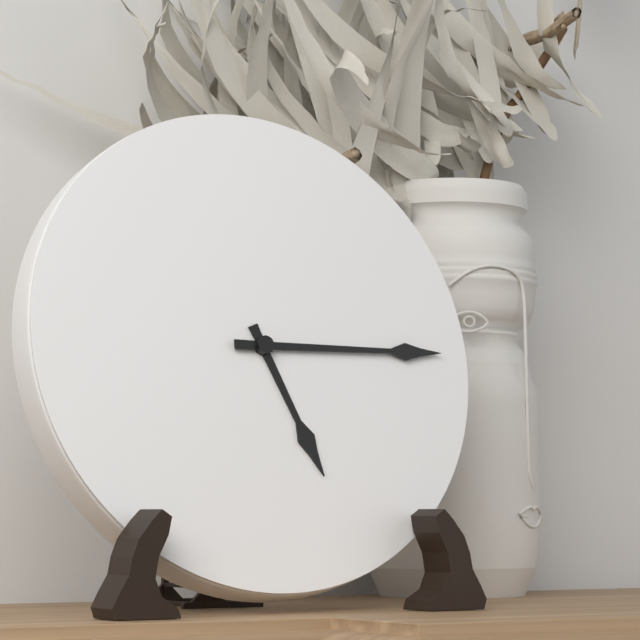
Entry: h=5 m=15
